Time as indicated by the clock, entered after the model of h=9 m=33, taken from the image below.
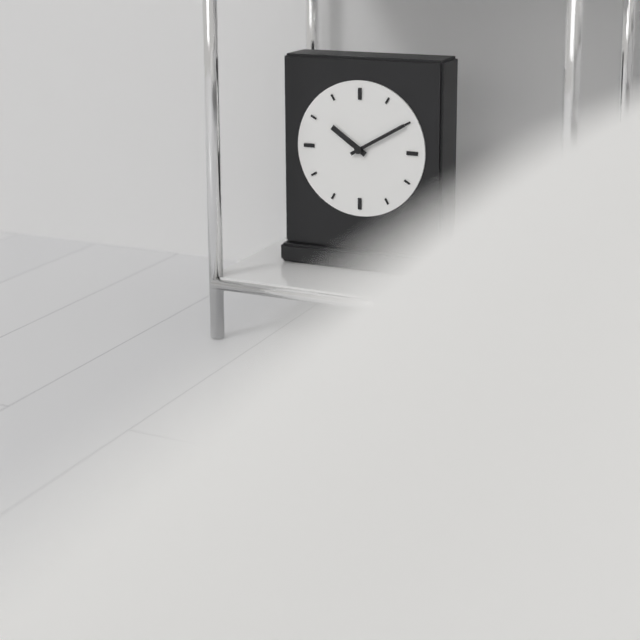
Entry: h=10 m=10
